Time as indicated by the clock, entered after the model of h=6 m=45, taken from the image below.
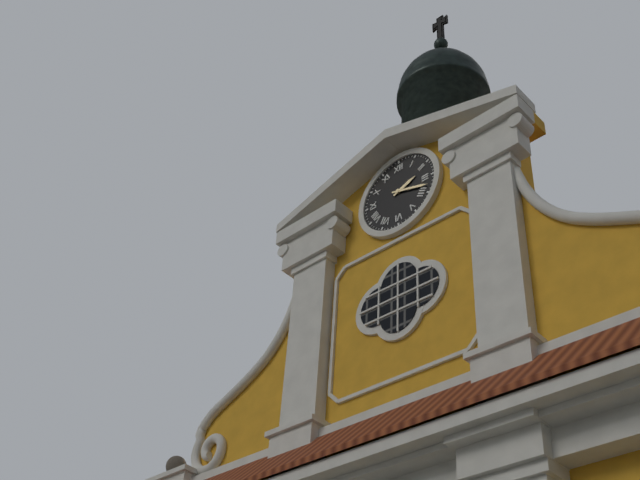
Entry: h=2 m=18
